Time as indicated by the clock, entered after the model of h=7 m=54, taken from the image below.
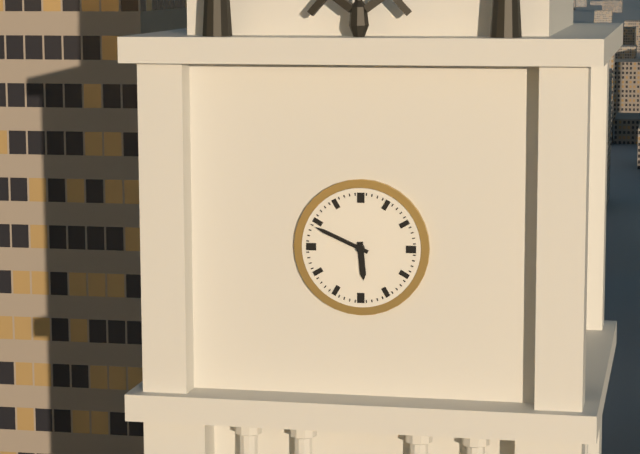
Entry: h=5 m=49
